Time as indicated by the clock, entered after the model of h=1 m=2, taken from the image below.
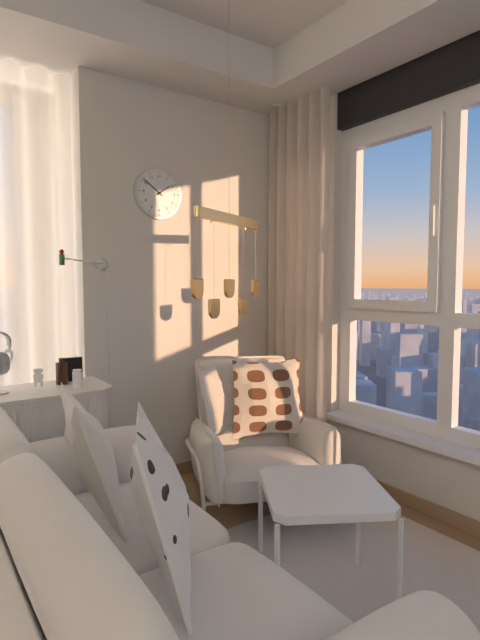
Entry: h=1 m=51
